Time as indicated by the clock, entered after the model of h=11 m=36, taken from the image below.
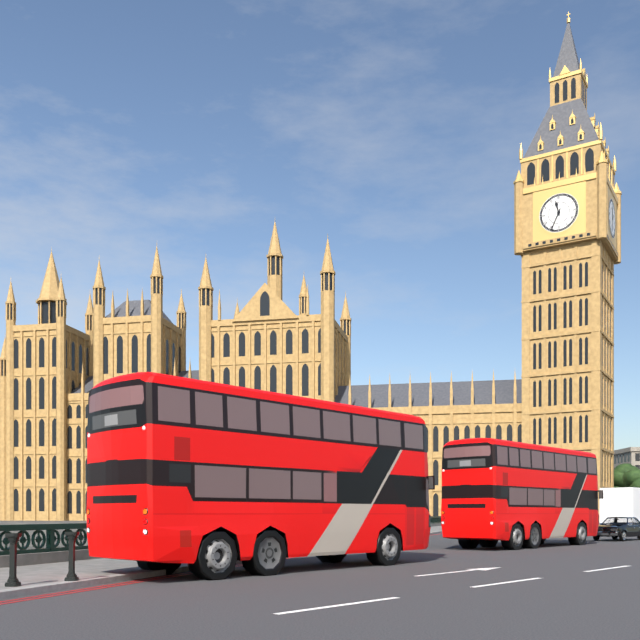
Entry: h=11 m=34
